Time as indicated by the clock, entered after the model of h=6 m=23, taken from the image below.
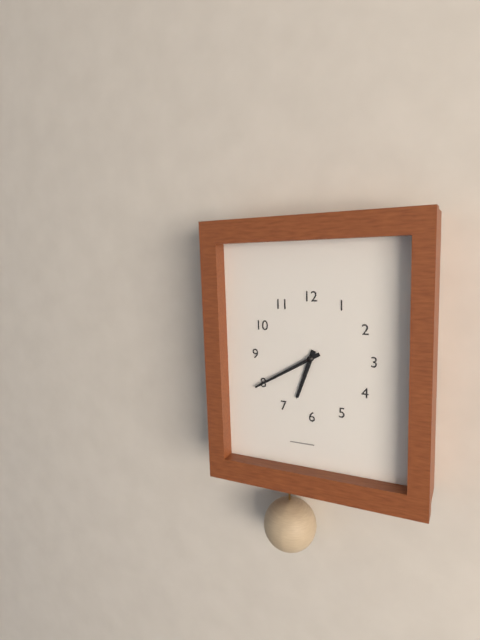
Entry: h=6 m=40
